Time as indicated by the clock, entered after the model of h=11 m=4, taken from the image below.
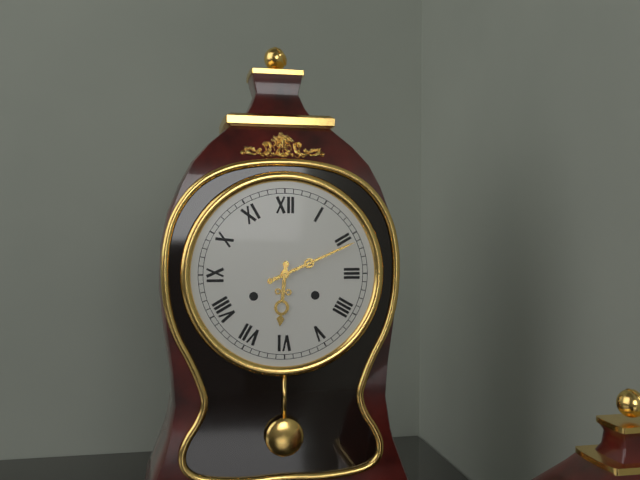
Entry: h=6 m=11
